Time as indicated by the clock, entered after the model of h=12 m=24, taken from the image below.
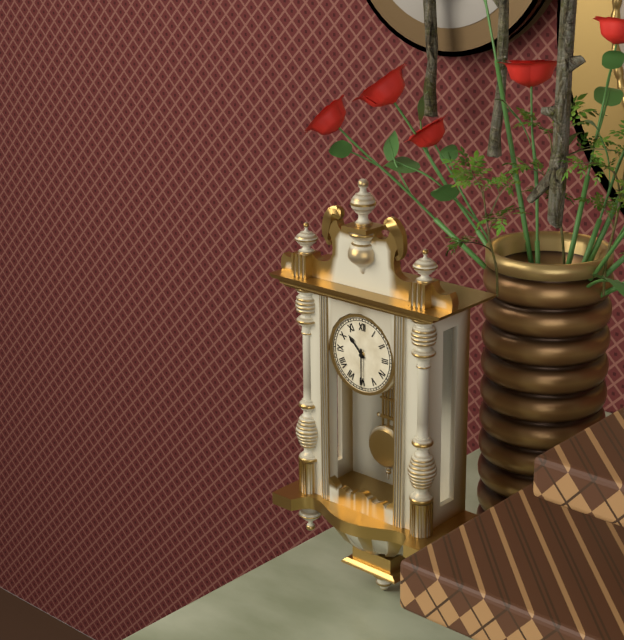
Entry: h=10 m=30
